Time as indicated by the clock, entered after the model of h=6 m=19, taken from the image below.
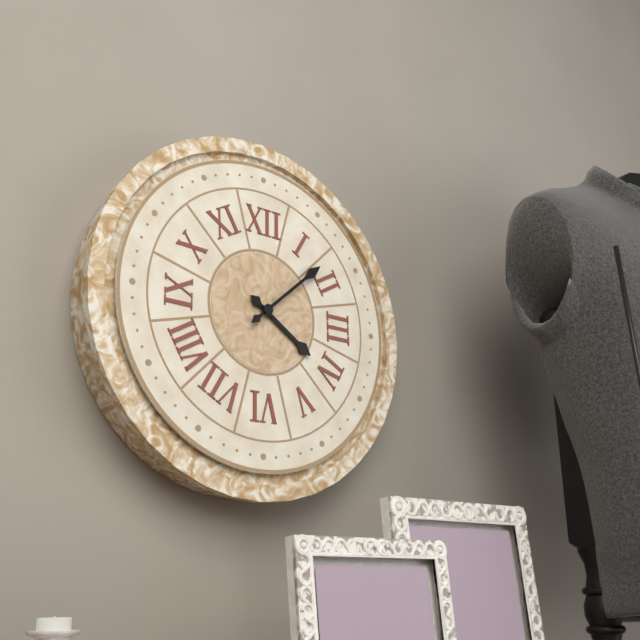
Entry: h=4 m=8
